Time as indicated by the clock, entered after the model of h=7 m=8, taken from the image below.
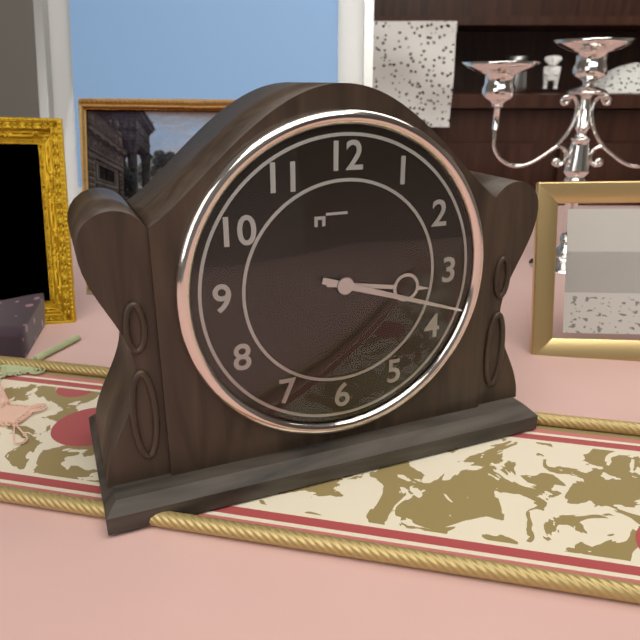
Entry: h=3 m=18
